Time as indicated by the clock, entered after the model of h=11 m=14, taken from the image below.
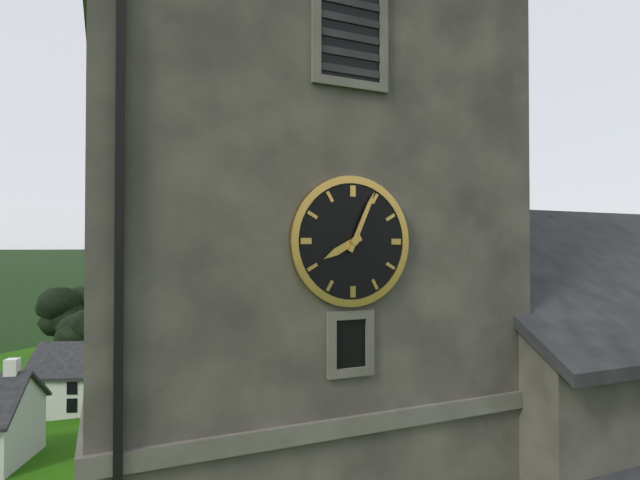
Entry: h=8 m=4
